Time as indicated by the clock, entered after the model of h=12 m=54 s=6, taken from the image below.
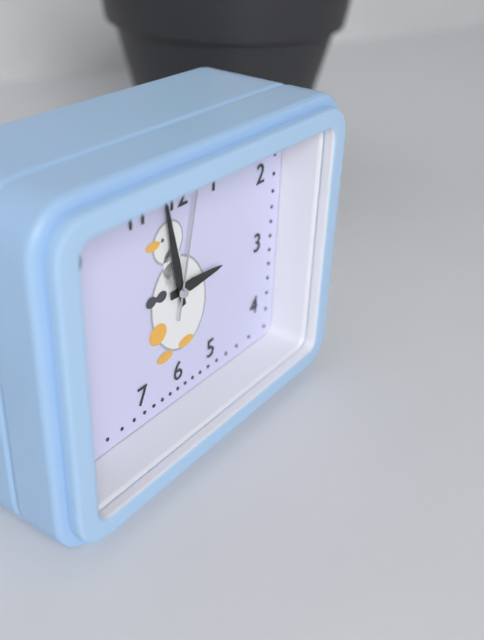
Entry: h=2 m=58 s=2
